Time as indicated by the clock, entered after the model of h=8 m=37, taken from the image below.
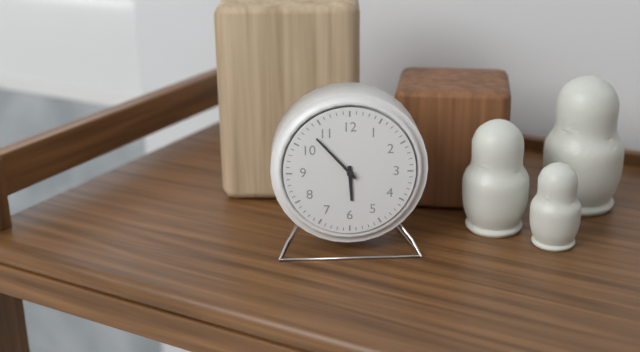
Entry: h=5 m=53
